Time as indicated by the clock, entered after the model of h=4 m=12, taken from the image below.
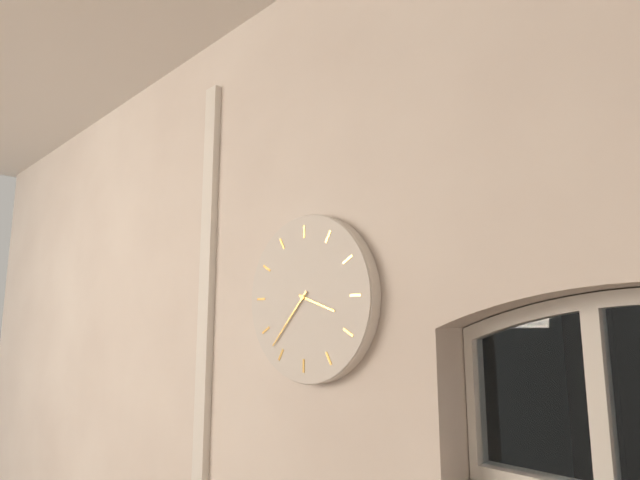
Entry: h=3 m=37
